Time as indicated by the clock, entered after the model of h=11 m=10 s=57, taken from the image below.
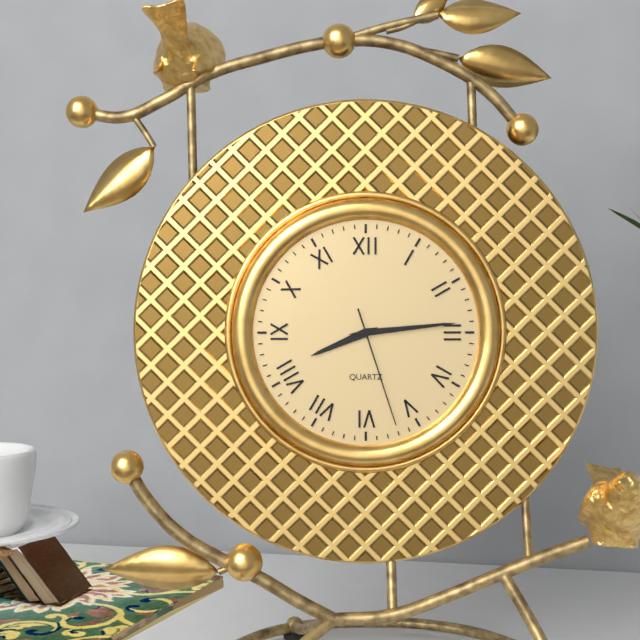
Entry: h=8 m=14 s=27
